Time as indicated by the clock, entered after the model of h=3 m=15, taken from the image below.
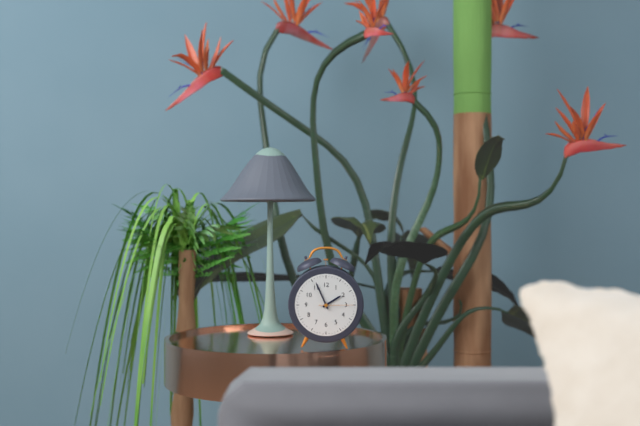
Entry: h=1 m=56
